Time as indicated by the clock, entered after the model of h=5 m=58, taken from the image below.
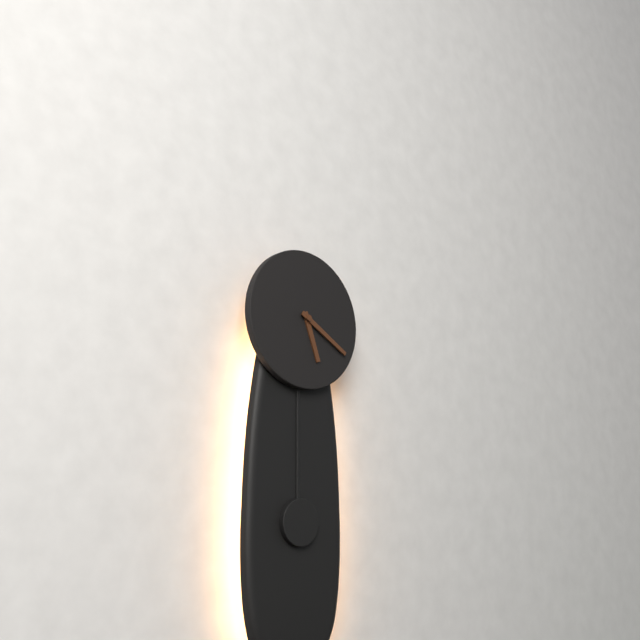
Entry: h=5 m=20
